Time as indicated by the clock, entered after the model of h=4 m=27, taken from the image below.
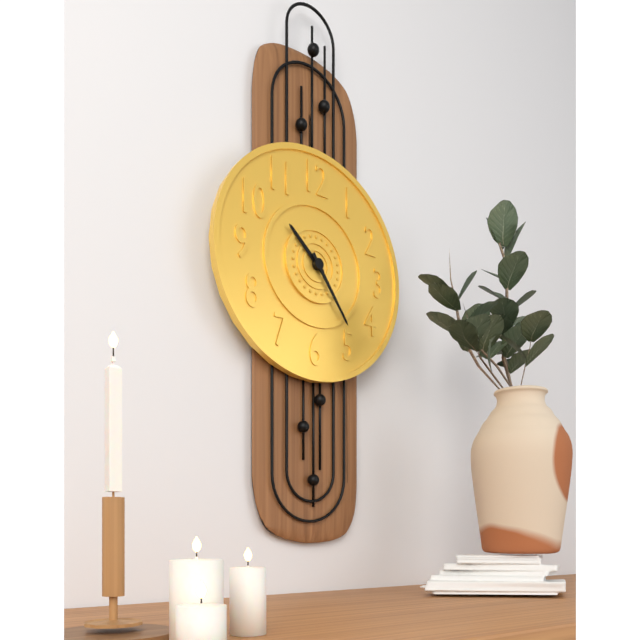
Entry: h=10 m=24
